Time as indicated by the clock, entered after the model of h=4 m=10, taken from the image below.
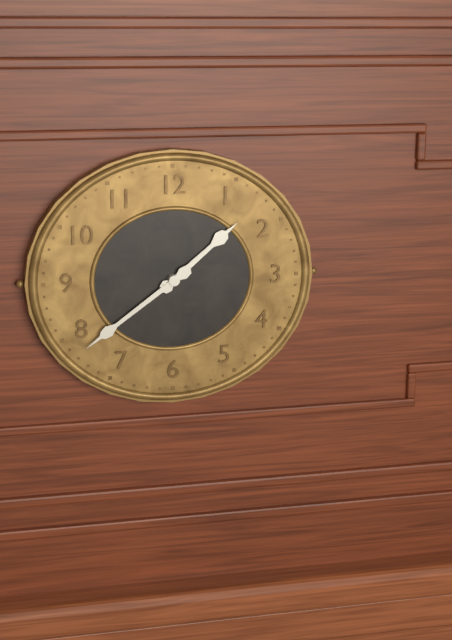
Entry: h=1 m=39
